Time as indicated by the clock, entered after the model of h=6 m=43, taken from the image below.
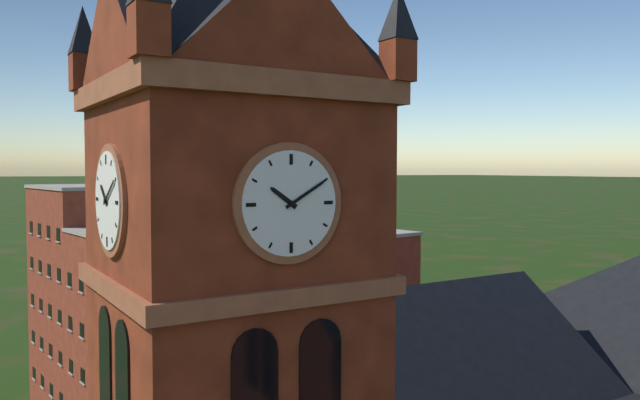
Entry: h=10 m=10
